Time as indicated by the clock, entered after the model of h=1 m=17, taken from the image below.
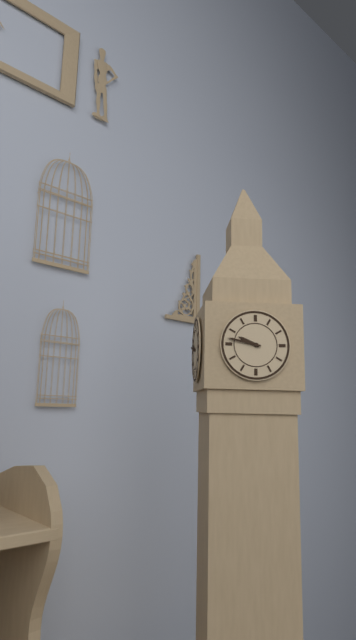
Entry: h=9 m=47
